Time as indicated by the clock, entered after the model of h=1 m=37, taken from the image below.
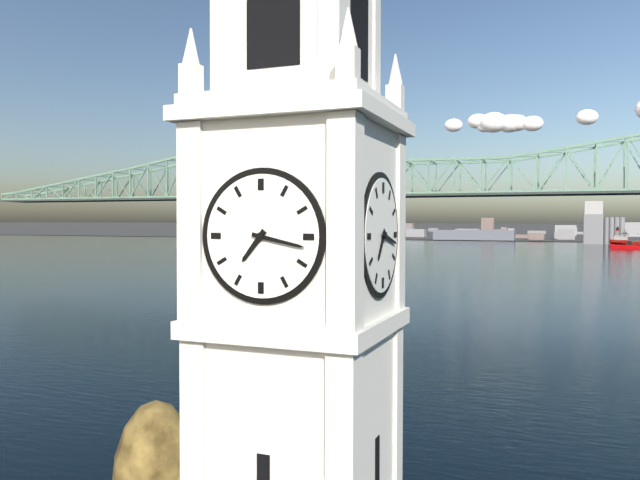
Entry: h=7 m=17
